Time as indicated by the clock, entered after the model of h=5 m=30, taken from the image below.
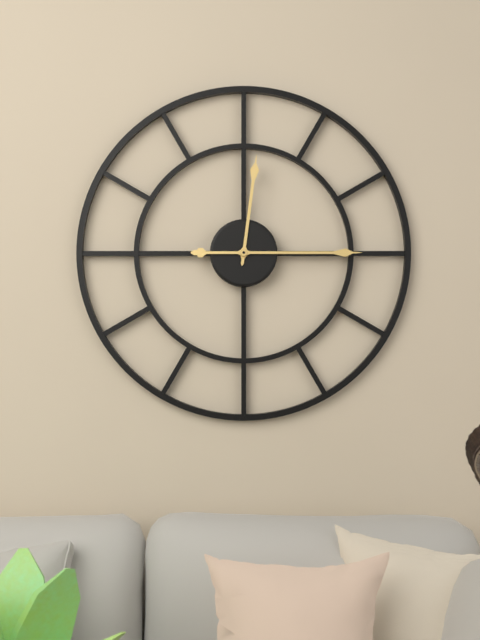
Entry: h=12 m=15
